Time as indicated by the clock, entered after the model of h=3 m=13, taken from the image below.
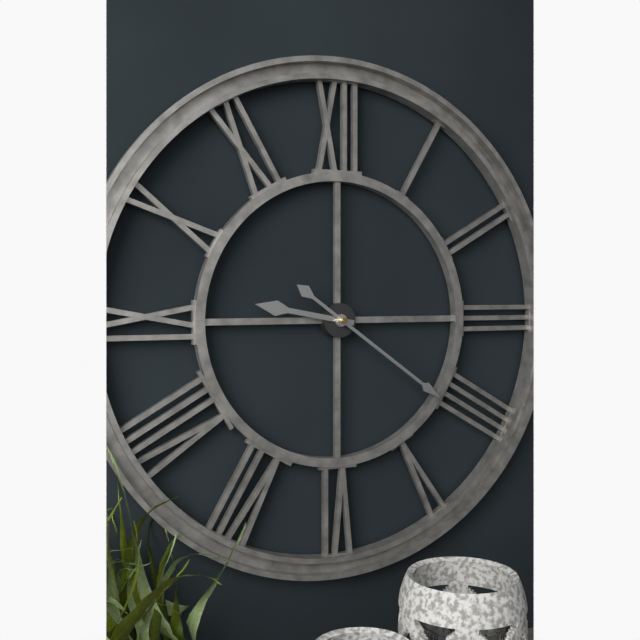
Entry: h=9 m=21
